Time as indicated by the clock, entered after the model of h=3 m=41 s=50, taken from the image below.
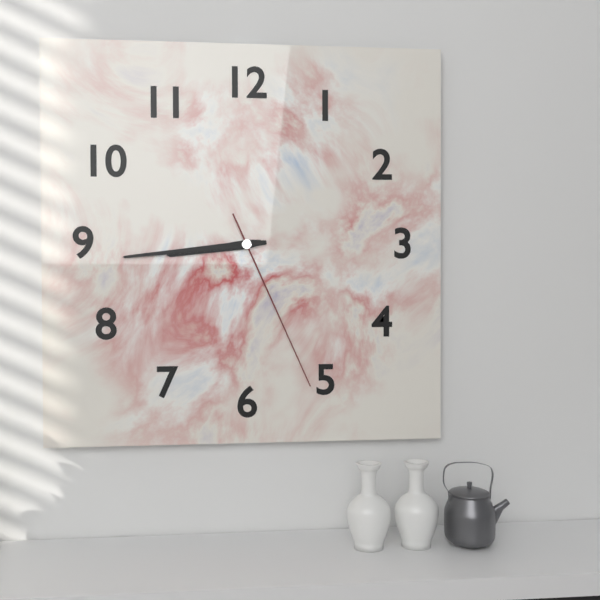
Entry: h=8 m=44 s=26
